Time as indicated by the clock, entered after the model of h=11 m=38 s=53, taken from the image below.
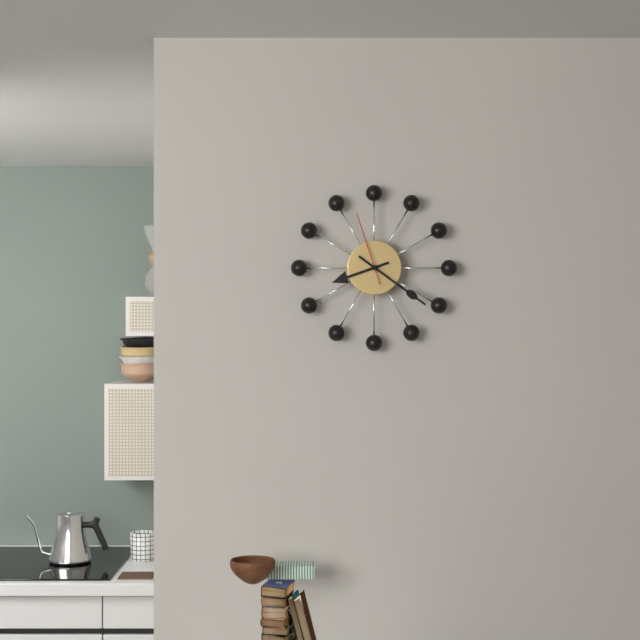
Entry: h=8 m=21 s=57
